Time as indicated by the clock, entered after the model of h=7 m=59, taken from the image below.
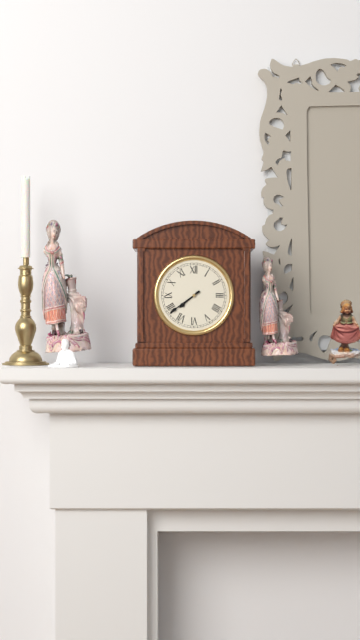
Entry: h=7 m=39
